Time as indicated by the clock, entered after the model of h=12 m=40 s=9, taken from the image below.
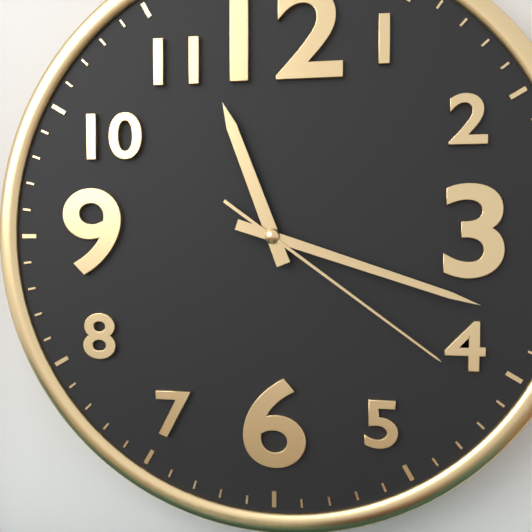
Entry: h=11 m=18 s=21
